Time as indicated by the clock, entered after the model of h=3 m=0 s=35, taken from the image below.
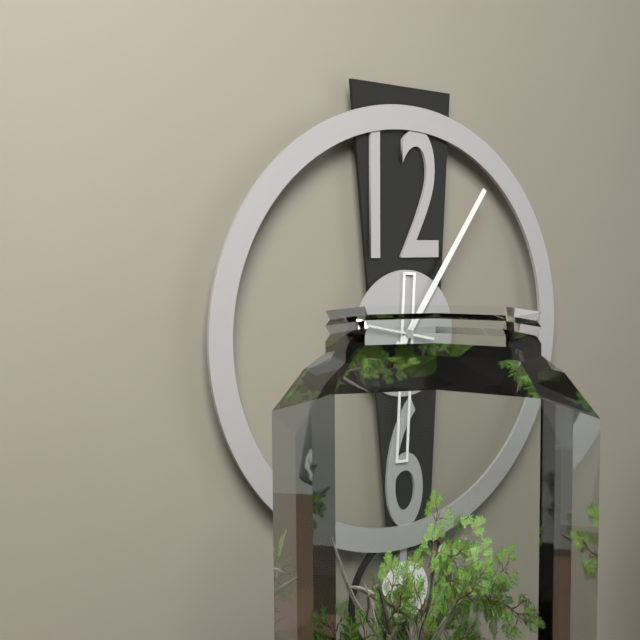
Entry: h=6 m=6 s=47
